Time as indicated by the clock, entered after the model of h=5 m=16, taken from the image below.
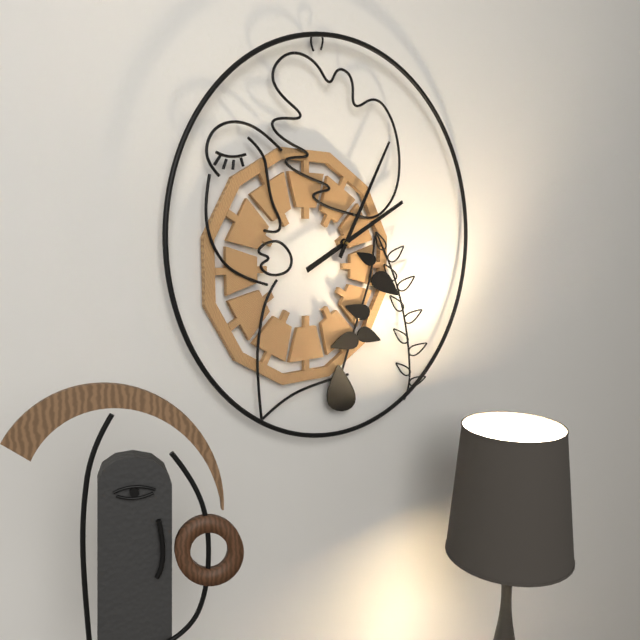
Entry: h=2 m=5
